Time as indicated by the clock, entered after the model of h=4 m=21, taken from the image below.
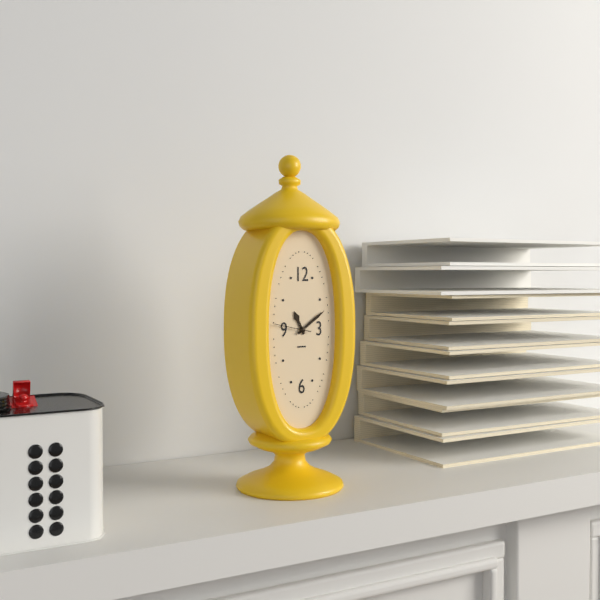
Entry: h=11 m=9
